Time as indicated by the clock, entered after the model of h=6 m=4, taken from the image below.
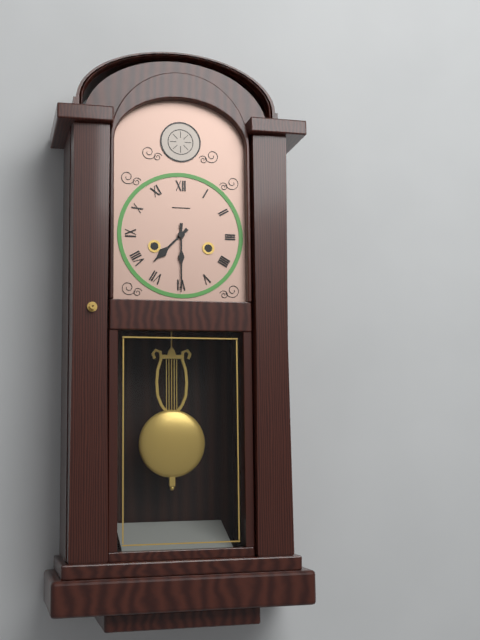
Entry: h=7 m=30
